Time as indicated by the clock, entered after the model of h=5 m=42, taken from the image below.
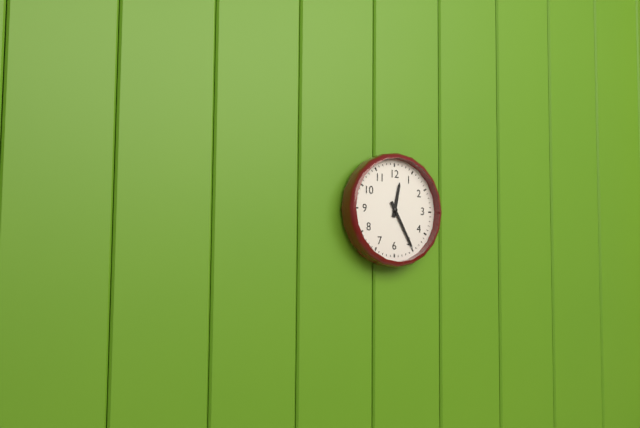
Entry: h=12 m=25
